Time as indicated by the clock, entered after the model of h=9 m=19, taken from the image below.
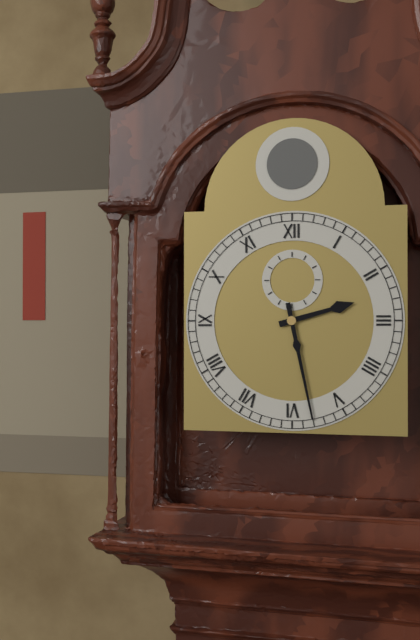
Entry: h=2 m=28
